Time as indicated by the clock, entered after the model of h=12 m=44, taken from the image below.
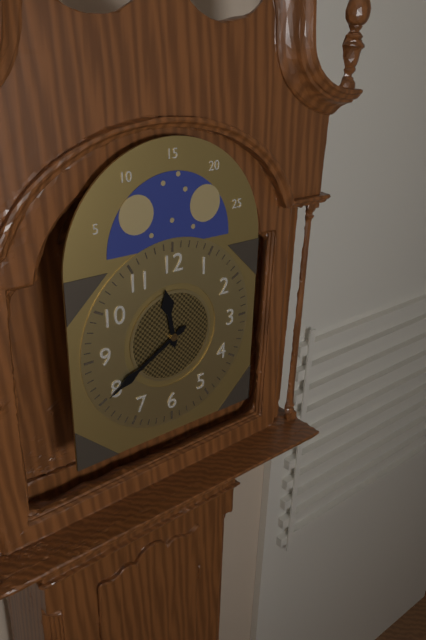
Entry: h=11 m=40
